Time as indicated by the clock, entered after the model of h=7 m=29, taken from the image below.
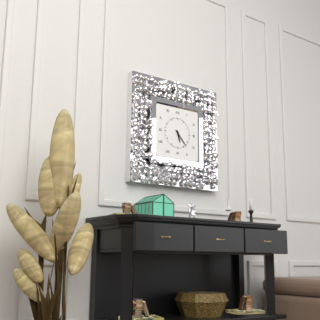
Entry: h=5 m=23
